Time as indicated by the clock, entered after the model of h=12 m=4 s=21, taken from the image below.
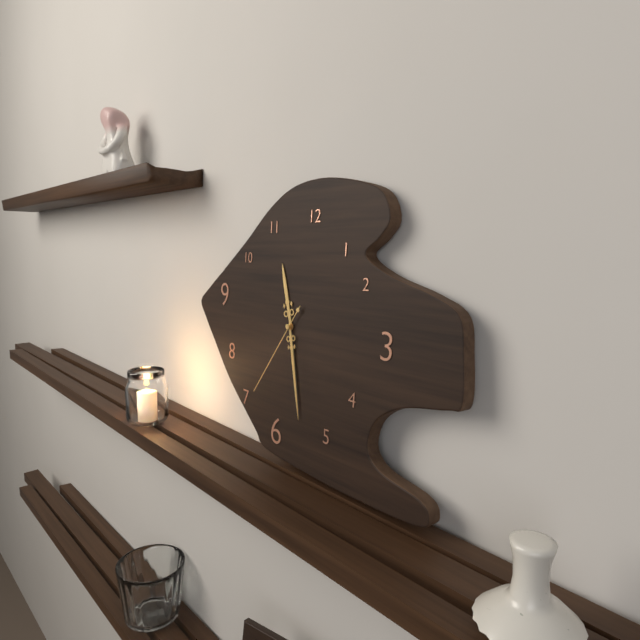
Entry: h=11 m=28 s=36
